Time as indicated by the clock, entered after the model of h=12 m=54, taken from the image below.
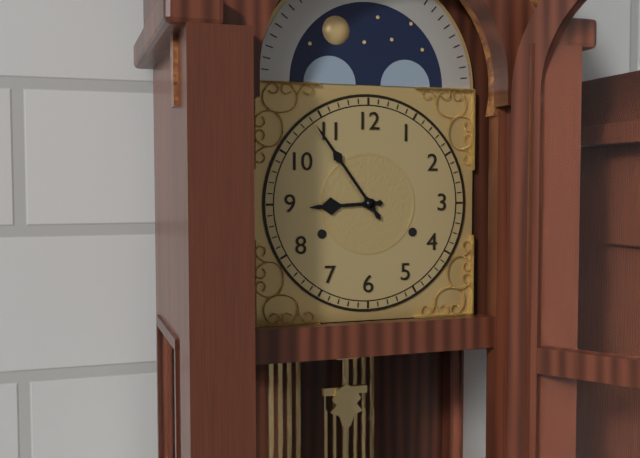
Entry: h=8 m=54
